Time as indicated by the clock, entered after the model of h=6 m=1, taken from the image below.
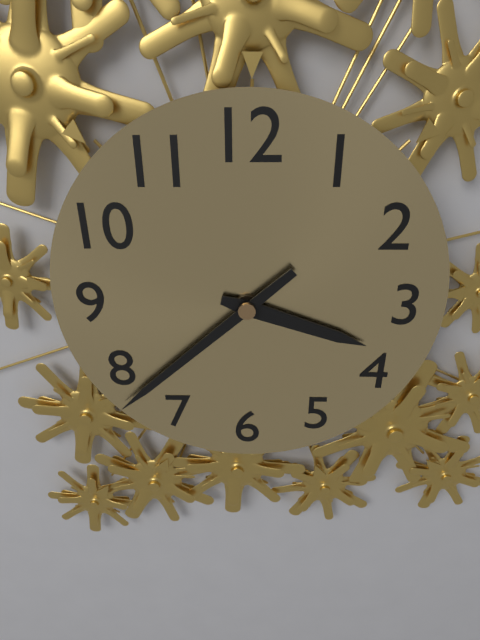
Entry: h=3 m=38
